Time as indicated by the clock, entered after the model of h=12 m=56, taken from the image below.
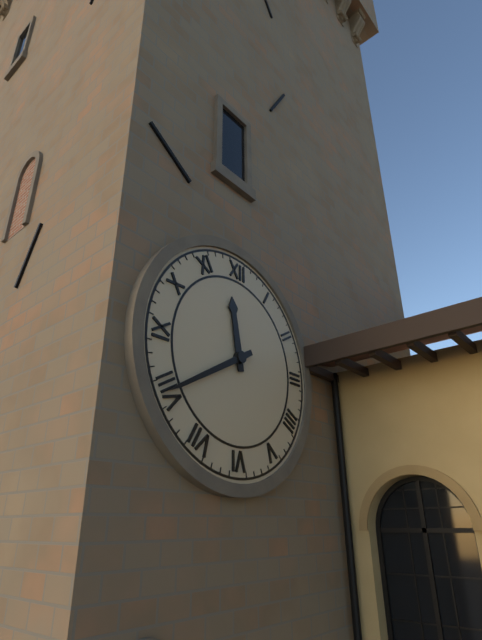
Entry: h=11 m=40
